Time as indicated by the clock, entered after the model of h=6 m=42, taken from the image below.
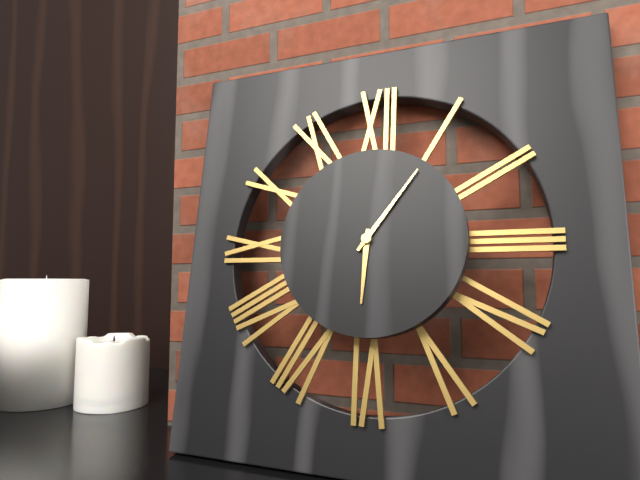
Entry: h=6 m=6
